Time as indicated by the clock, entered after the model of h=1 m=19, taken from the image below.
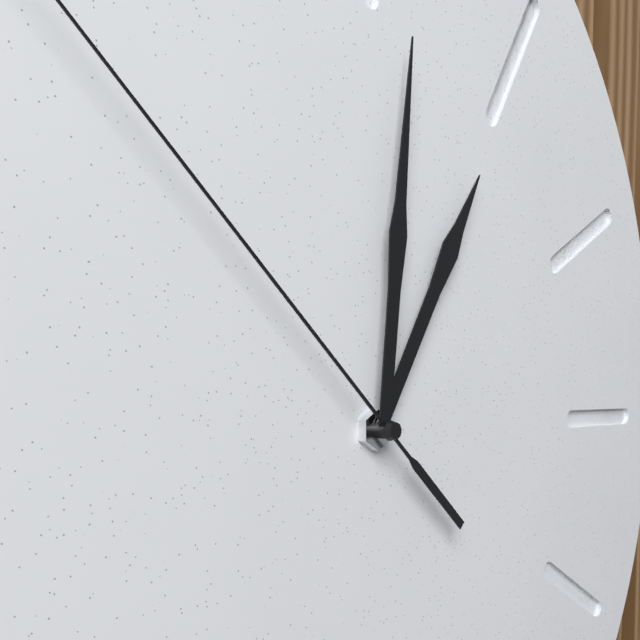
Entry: h=1 m=1
